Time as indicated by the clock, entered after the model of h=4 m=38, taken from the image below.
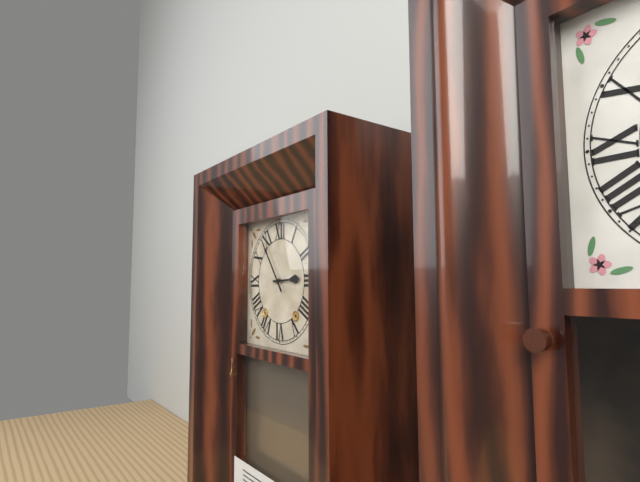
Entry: h=2 m=54
